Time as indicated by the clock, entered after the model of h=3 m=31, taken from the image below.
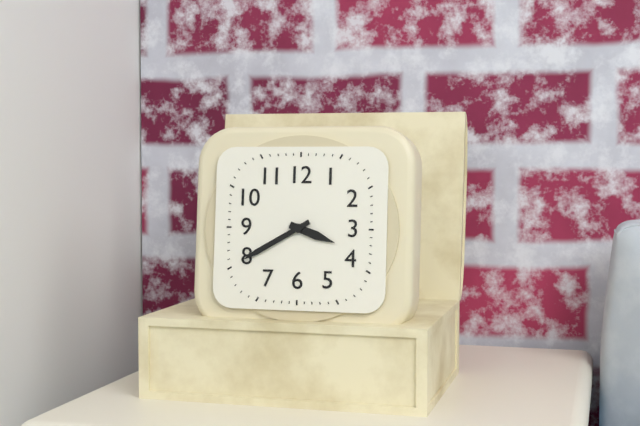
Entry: h=3 m=40
